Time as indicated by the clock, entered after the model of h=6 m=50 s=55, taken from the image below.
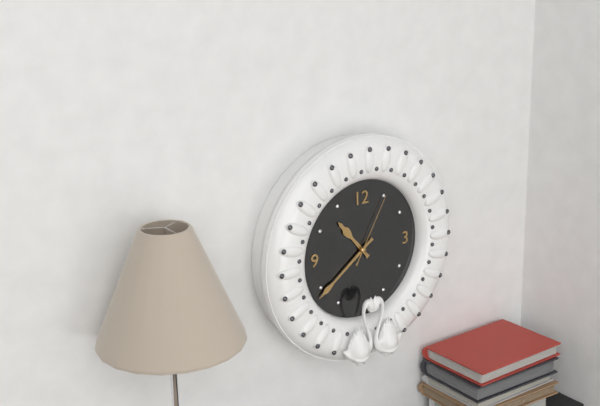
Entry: h=10 m=39 s=5
